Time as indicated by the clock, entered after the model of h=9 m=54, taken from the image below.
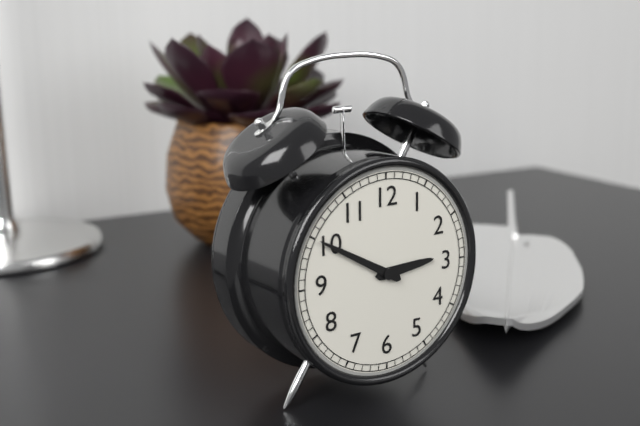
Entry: h=2 m=50
